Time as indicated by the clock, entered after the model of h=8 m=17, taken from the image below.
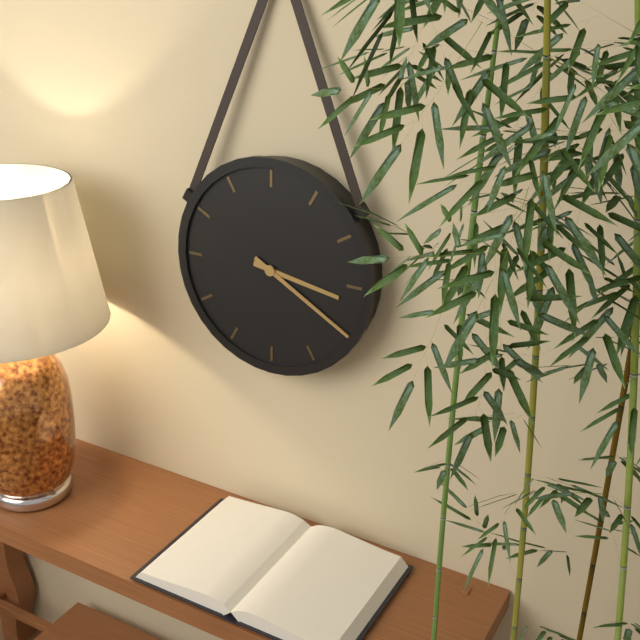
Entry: h=3 m=20
